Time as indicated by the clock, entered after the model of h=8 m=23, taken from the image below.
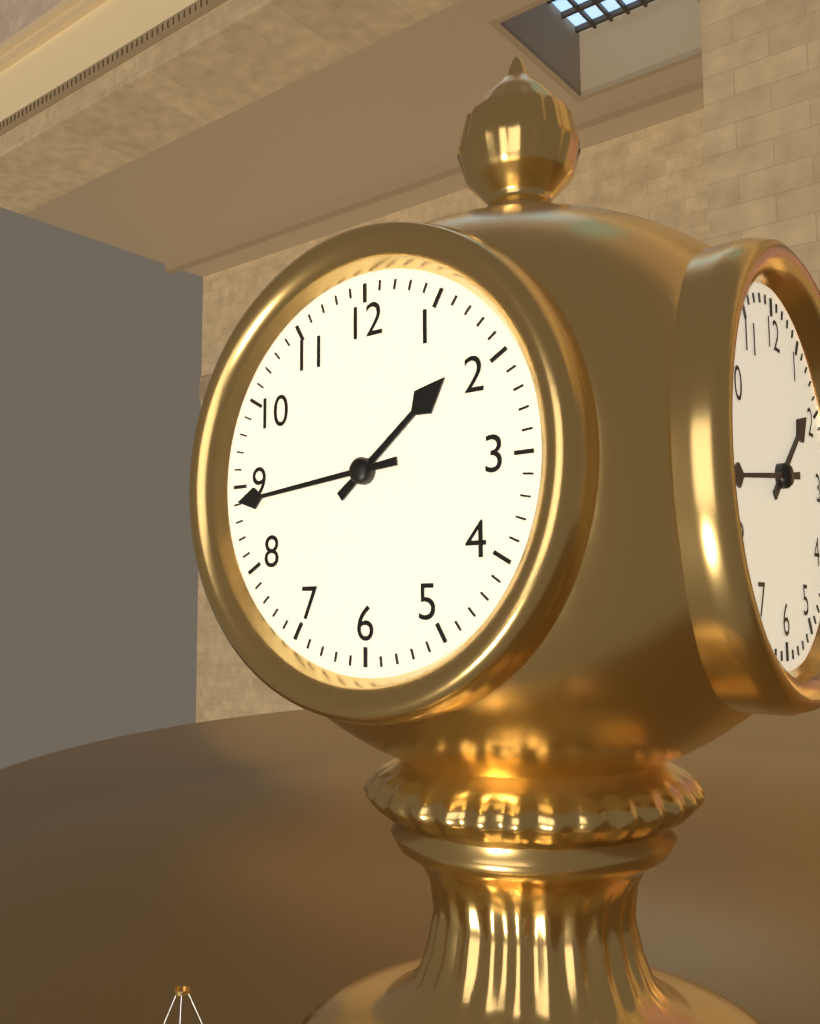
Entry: h=1 m=44
